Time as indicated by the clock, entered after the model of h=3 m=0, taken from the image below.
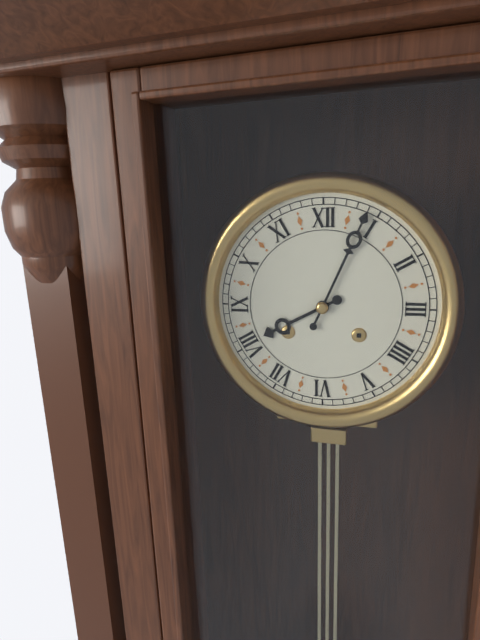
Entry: h=8 m=4
